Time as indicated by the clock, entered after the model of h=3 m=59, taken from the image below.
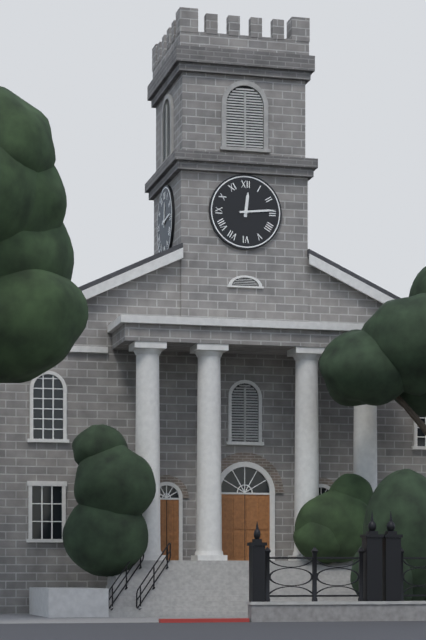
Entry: h=12 m=14
